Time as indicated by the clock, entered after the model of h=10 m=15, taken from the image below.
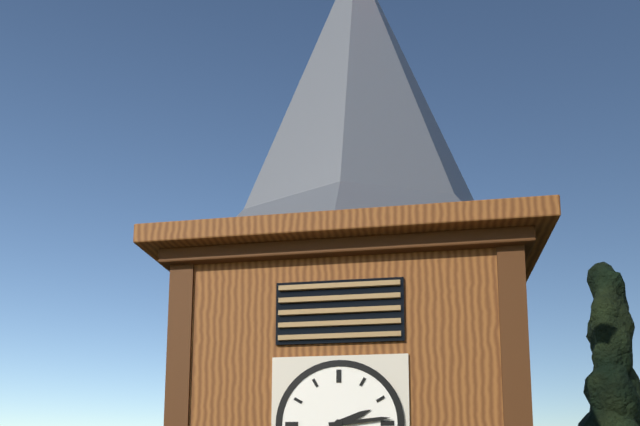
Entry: h=2 m=14
